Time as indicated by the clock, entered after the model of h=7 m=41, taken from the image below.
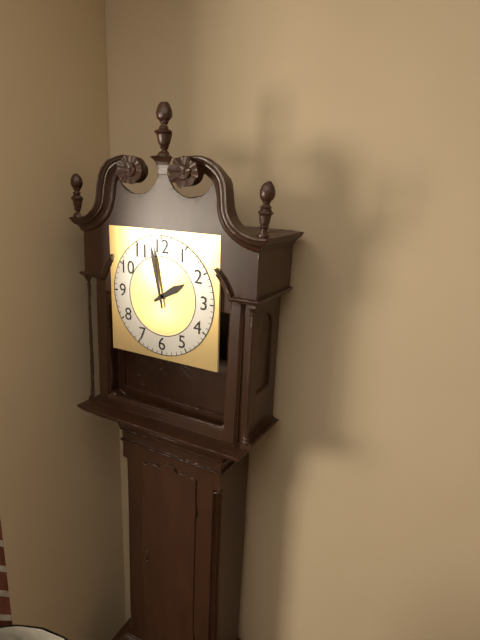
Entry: h=1 m=58
